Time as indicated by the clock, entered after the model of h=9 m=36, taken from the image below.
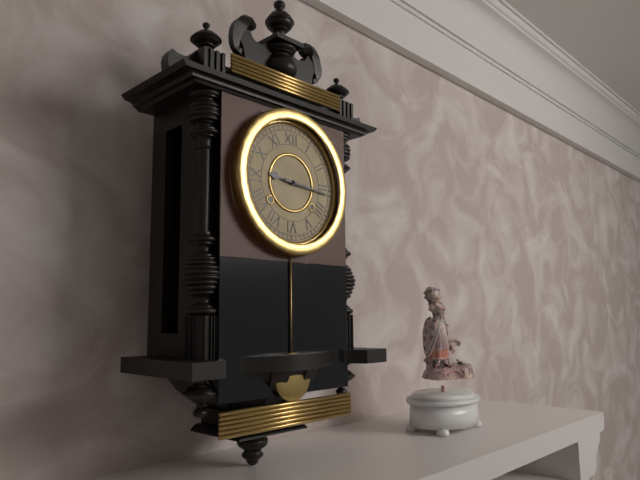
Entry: h=9 m=16
